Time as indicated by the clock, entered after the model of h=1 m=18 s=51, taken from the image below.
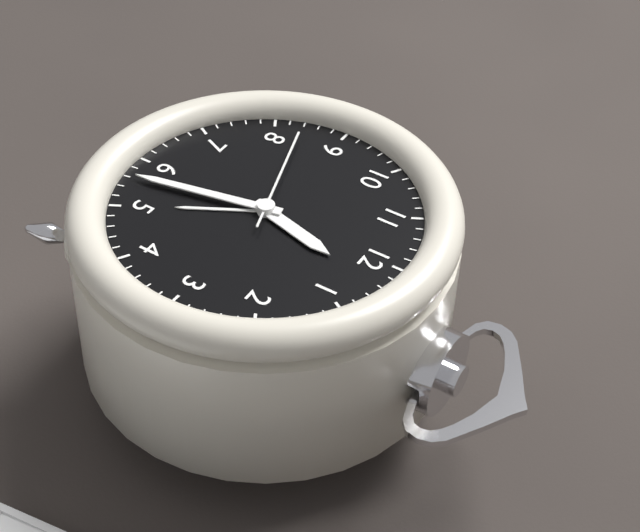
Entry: h=12 m=28 s=42
